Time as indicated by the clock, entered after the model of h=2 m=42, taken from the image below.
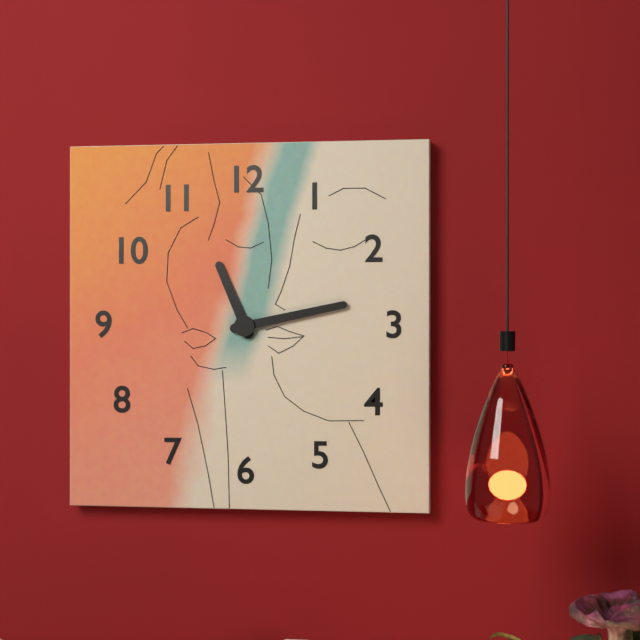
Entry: h=11 m=13
